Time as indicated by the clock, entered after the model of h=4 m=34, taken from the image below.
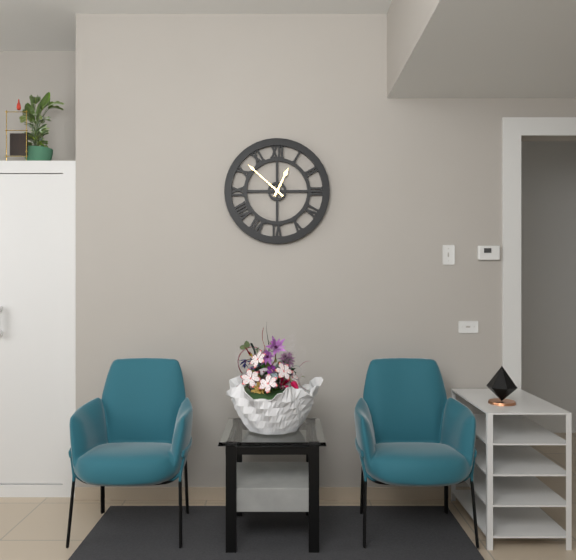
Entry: h=12 m=52
